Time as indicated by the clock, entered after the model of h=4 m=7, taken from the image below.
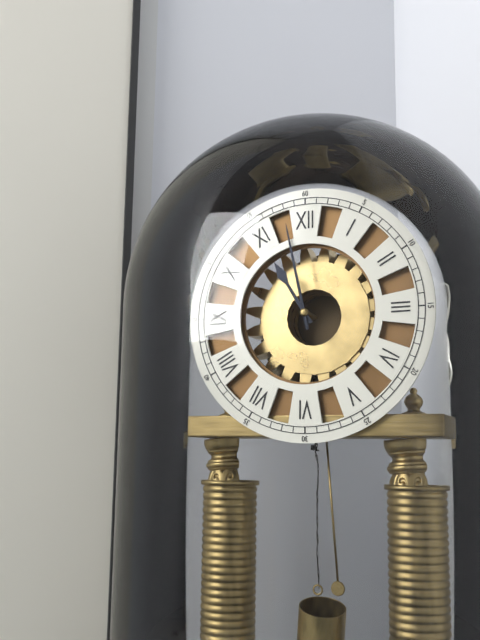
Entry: h=10 m=58
